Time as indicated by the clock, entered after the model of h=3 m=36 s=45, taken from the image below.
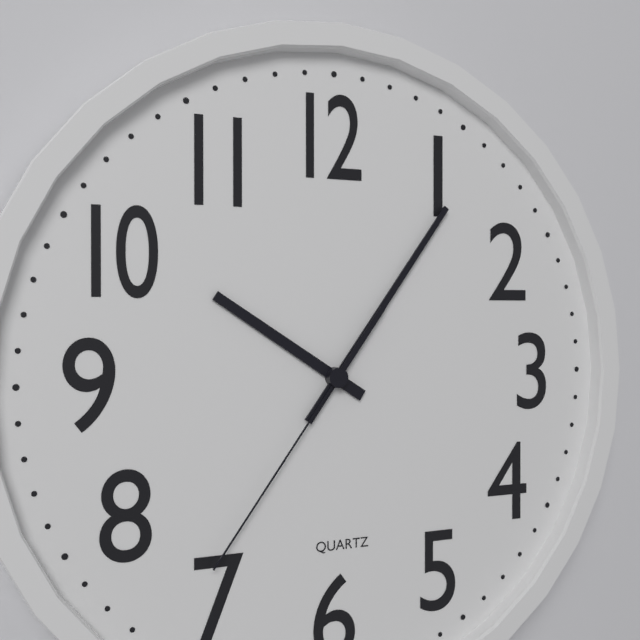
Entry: h=10 m=6 s=36
